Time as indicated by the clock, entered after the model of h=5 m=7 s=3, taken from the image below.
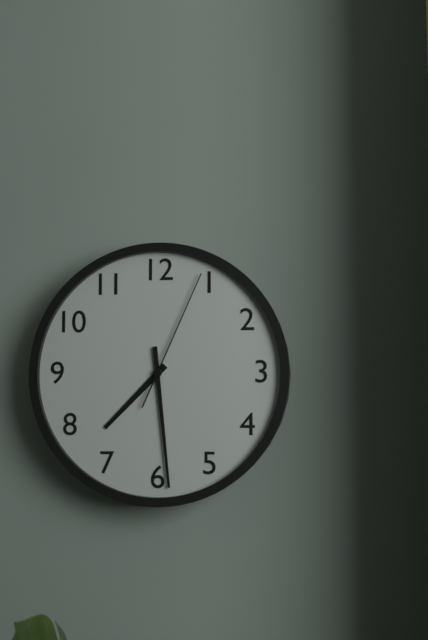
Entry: h=7 m=29 s=4
